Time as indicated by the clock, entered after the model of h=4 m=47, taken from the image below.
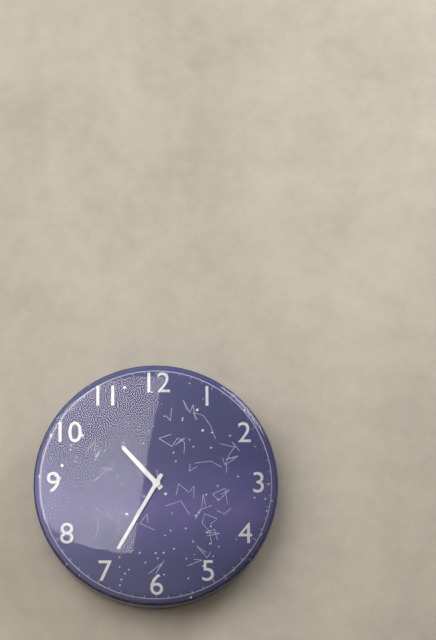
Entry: h=10 m=35
